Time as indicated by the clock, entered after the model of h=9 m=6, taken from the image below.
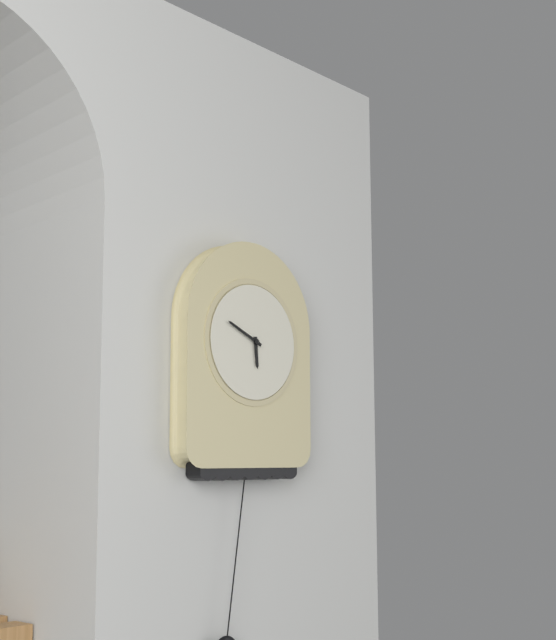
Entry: h=5 m=49
